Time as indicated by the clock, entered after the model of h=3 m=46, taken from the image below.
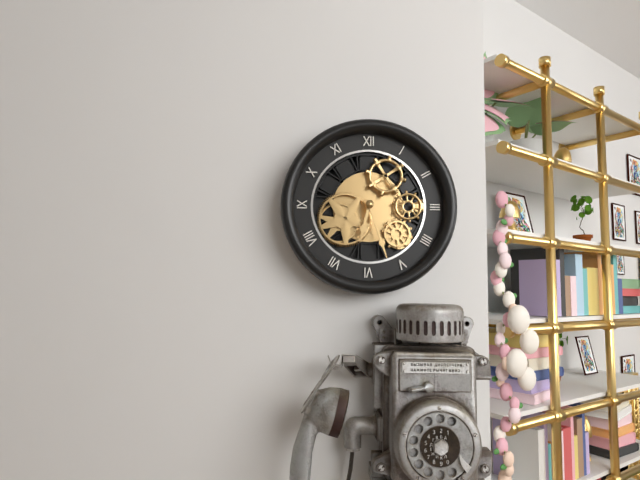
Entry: h=6 m=27
